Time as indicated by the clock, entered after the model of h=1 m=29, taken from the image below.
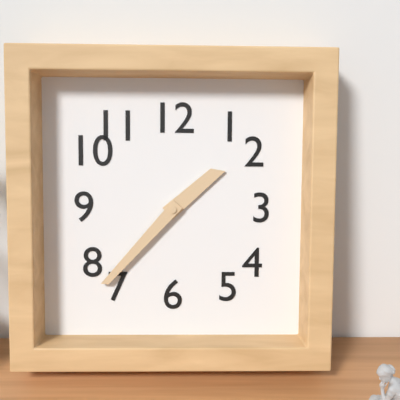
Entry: h=1 m=37
